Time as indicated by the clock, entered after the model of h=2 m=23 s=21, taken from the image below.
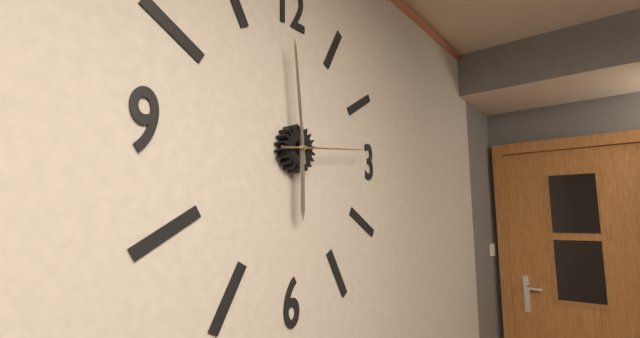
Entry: h=5 m=59 s=14
